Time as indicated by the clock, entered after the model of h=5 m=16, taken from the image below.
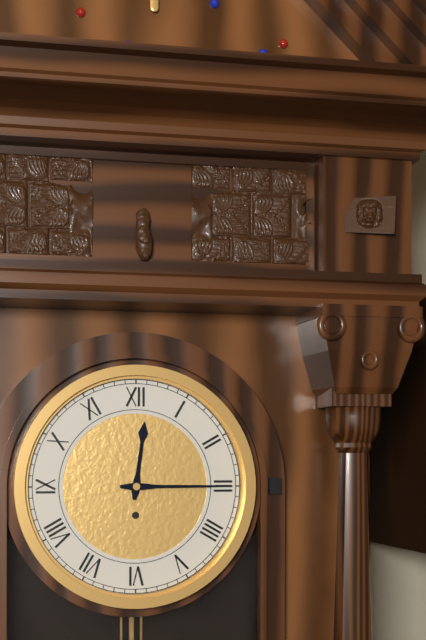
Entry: h=12 m=15
